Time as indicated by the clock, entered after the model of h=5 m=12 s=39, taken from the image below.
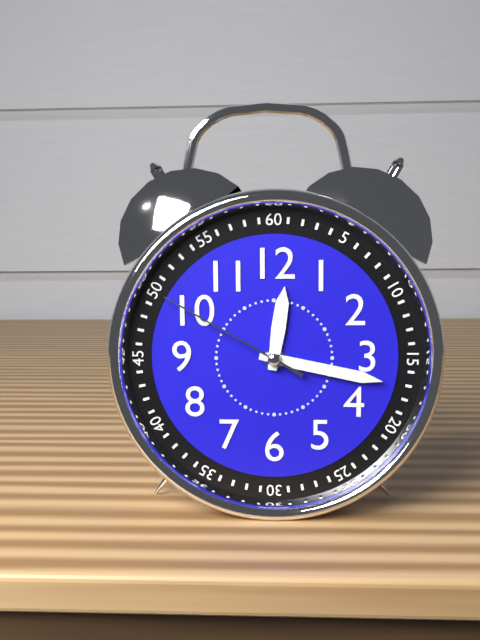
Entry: h=12 m=17 s=50
